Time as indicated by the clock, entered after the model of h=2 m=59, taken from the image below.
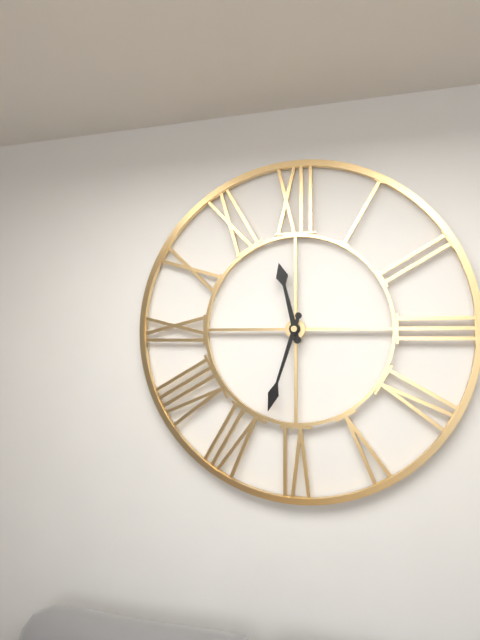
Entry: h=11 m=33
